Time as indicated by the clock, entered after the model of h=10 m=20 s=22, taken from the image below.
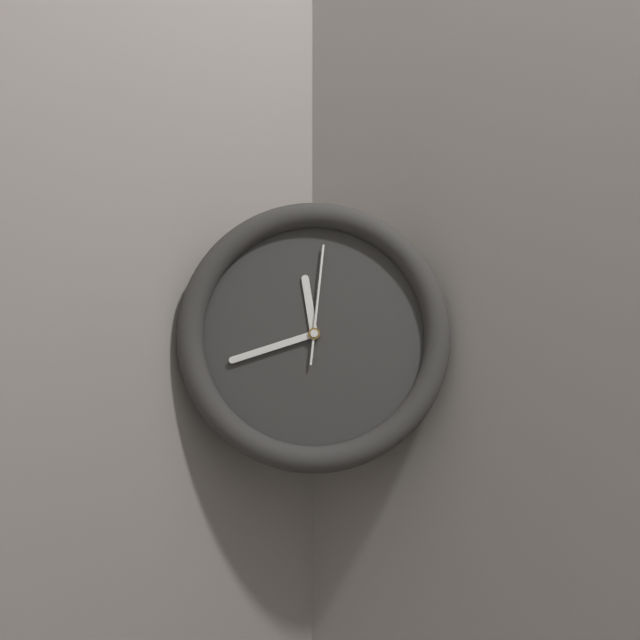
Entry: h=11 m=42 s=1
